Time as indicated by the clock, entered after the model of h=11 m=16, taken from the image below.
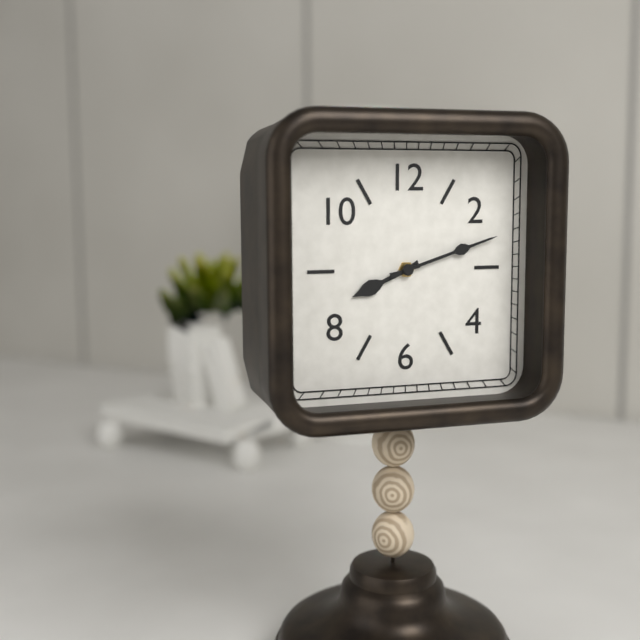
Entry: h=8 m=12
